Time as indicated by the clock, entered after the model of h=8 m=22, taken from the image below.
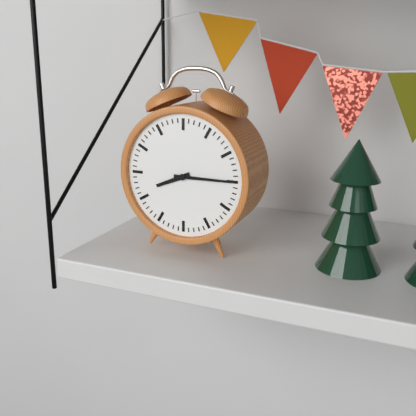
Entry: h=8 m=15
